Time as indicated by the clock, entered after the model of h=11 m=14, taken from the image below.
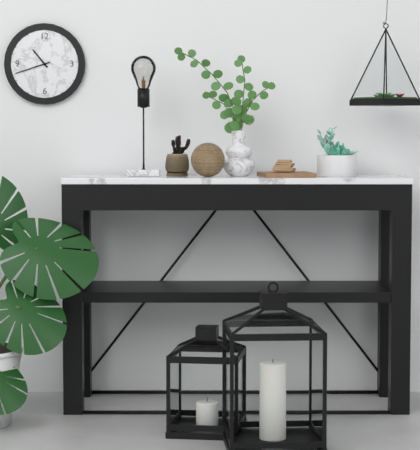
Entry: h=10 m=42
